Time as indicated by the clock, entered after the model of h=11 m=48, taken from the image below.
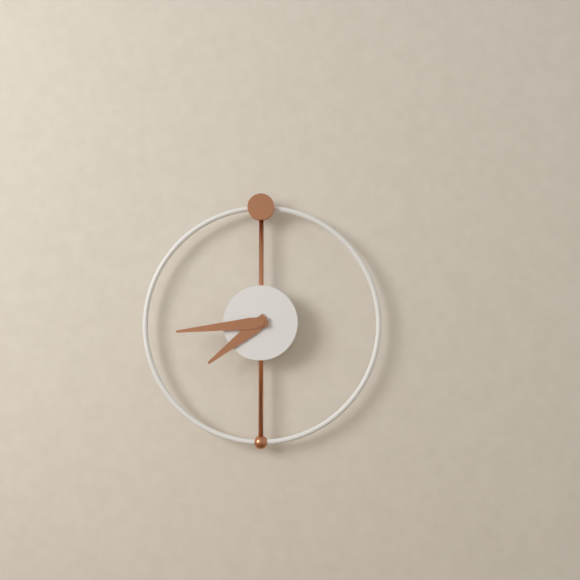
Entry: h=7 m=44
